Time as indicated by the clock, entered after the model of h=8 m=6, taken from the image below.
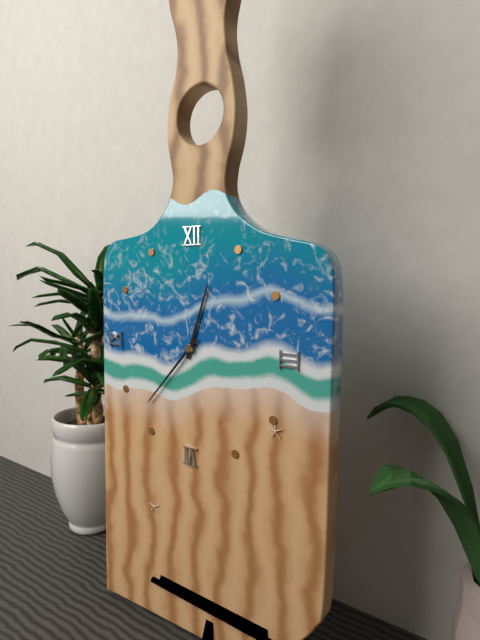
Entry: h=12 m=37
